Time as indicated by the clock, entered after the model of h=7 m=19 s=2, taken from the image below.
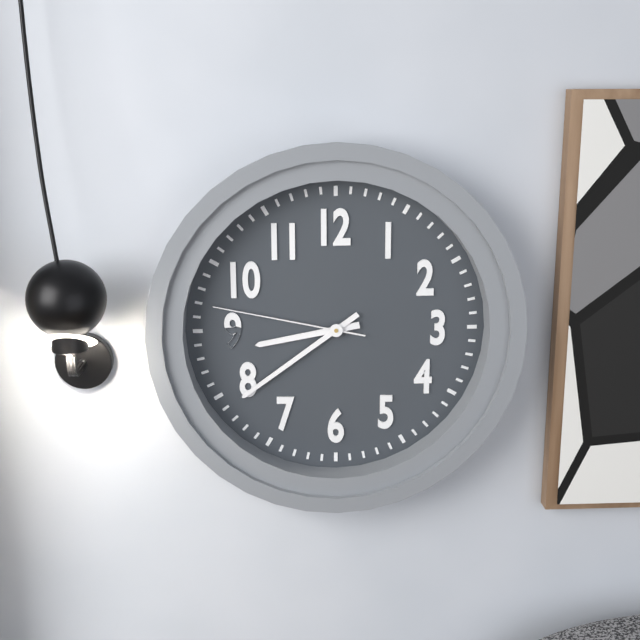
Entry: h=8 m=39 s=47
